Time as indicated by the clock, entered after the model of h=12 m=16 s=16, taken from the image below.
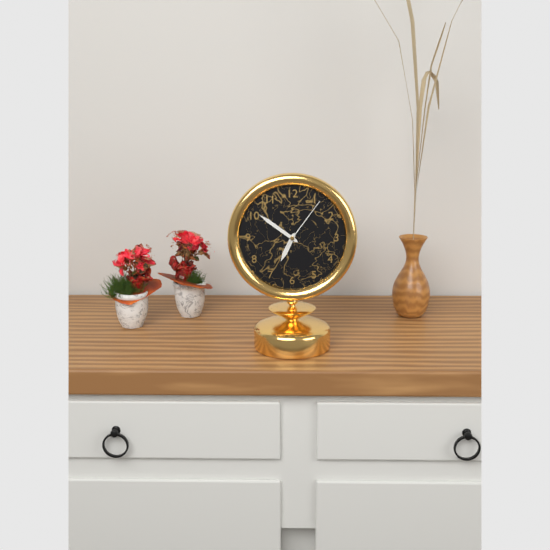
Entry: h=6 m=51 s=6
